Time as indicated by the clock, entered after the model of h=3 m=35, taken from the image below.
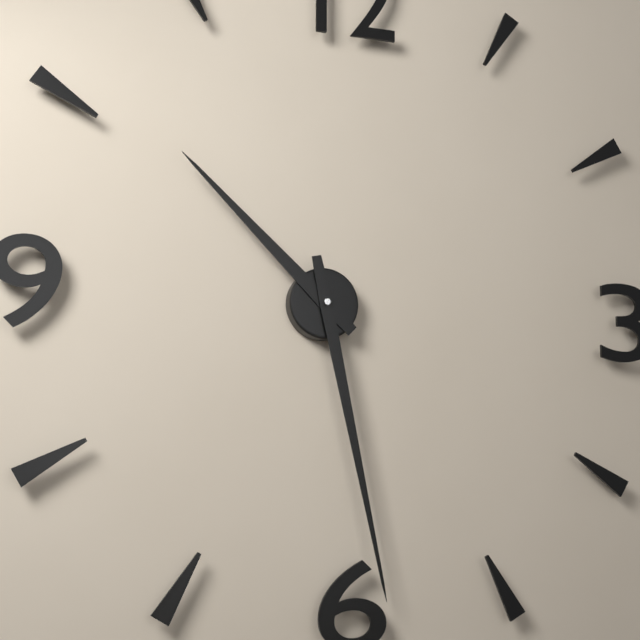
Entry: h=10 m=28
